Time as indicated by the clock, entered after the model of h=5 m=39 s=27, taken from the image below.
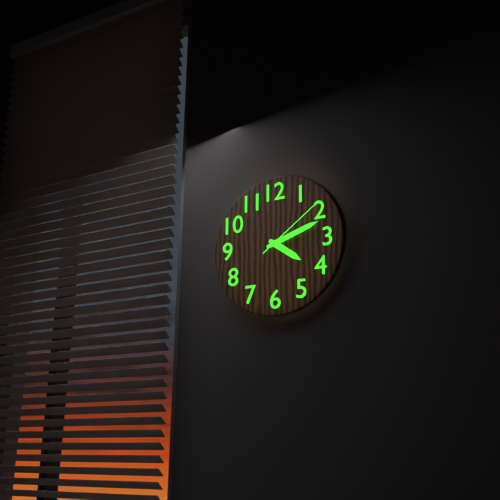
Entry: h=4 m=12 s=9
